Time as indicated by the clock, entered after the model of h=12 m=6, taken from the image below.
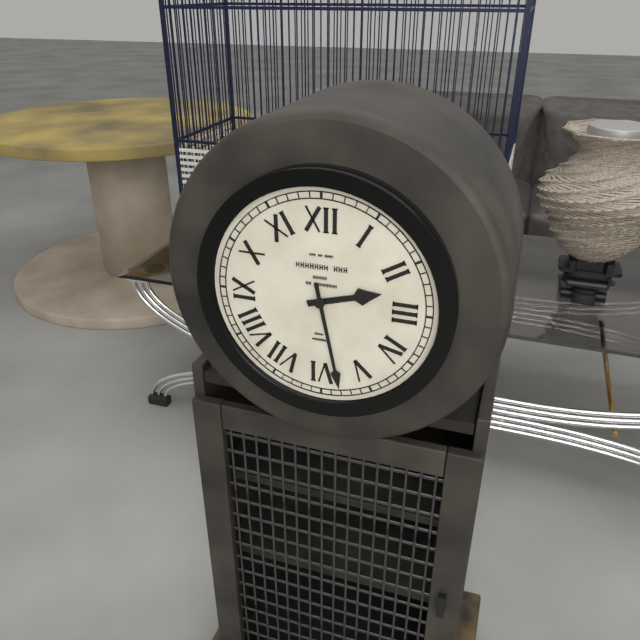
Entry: h=2 m=28
